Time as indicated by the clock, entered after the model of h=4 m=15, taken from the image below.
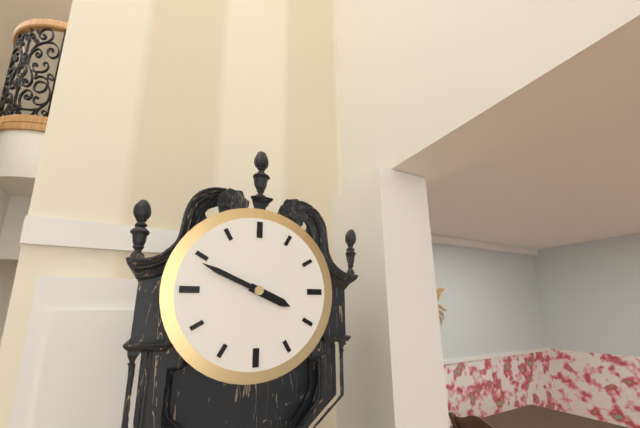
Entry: h=3 m=49
